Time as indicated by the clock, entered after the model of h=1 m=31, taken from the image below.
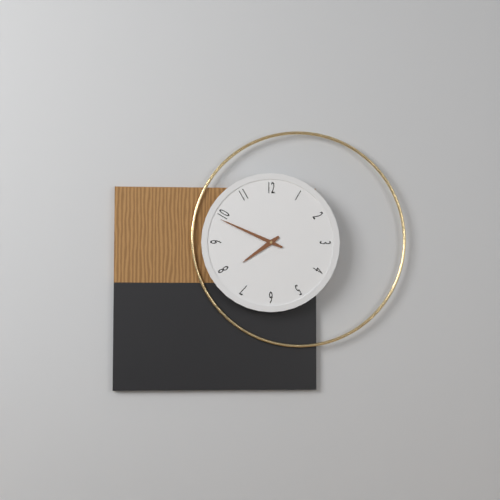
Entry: h=7 m=49
